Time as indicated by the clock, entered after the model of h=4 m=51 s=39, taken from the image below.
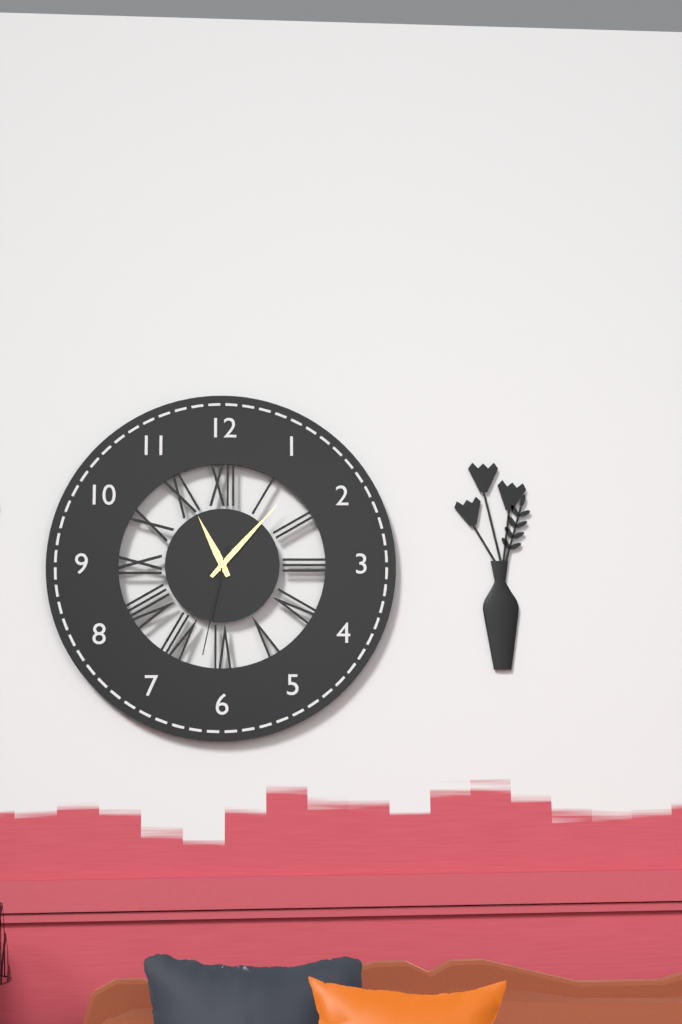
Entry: h=11 m=7 s=32
